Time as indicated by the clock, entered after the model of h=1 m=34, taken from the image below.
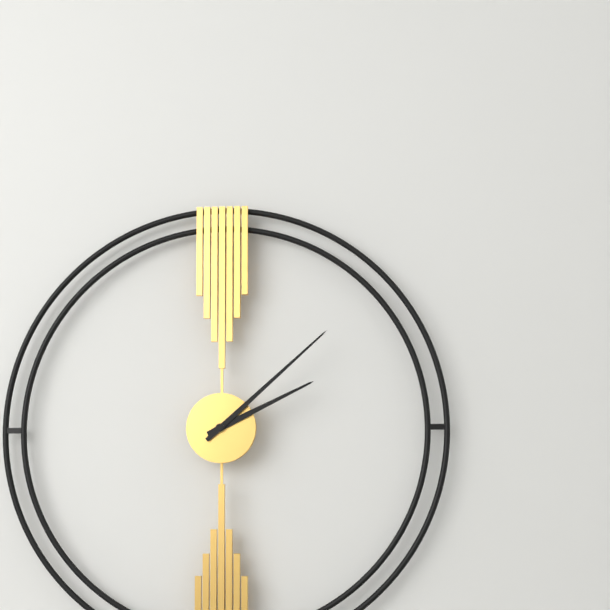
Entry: h=2 m=8
